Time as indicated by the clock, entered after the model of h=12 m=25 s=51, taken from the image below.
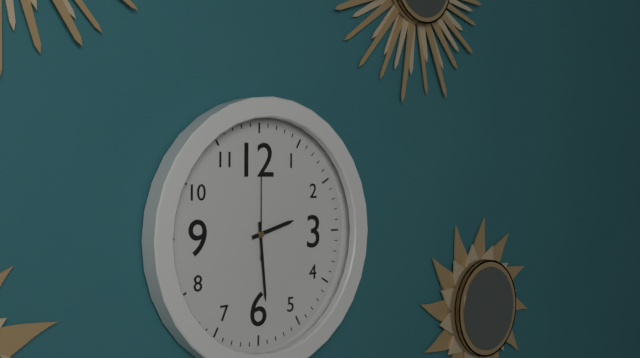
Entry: h=2 m=29 s=0
